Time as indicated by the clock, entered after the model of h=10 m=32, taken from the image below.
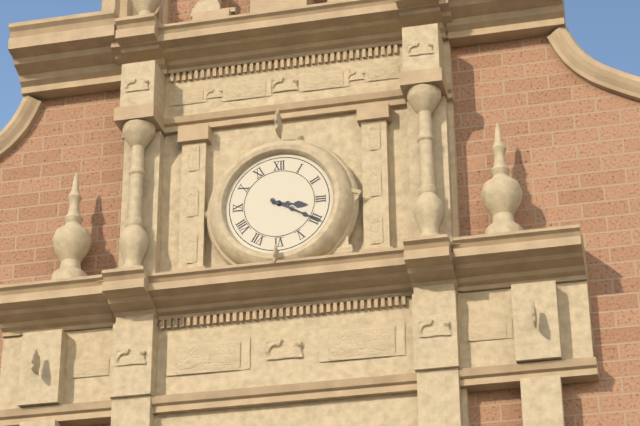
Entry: h=3 m=20
